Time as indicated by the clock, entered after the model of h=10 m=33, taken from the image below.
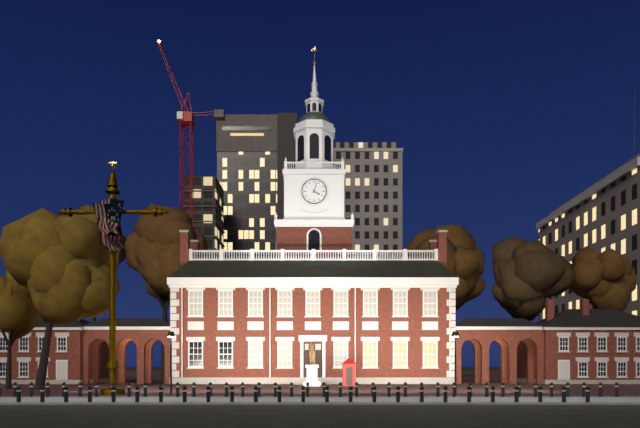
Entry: h=4 m=3
